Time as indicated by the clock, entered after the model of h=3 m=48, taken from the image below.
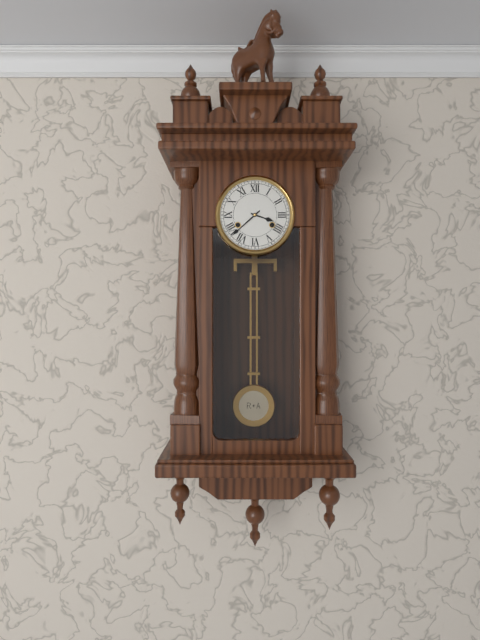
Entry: h=3 m=38
